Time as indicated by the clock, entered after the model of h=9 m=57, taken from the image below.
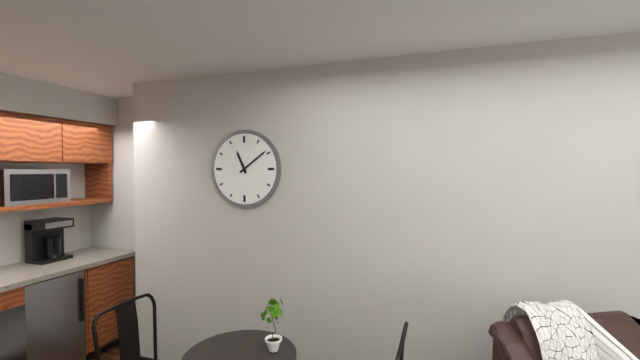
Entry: h=11 m=9
